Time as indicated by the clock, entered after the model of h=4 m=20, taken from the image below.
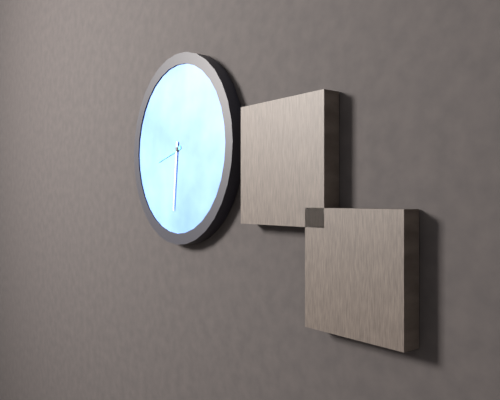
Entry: h=8 m=31
